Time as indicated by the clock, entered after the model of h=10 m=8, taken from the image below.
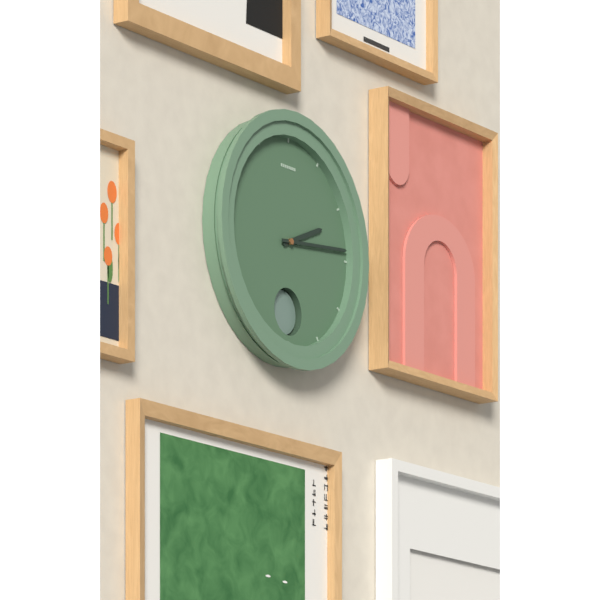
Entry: h=2 m=14
